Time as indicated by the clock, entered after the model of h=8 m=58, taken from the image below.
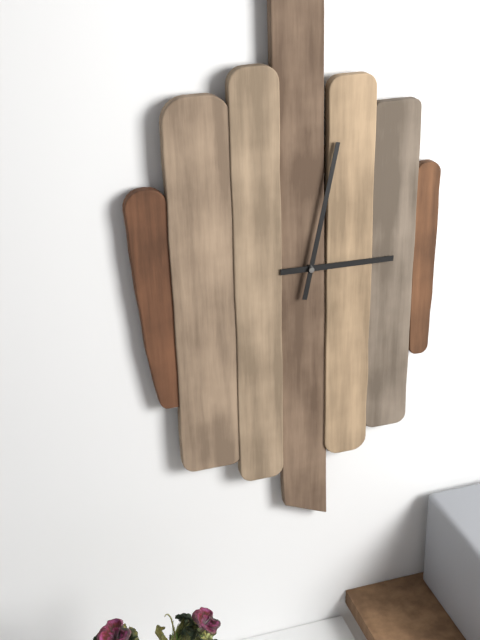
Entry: h=3 m=2
